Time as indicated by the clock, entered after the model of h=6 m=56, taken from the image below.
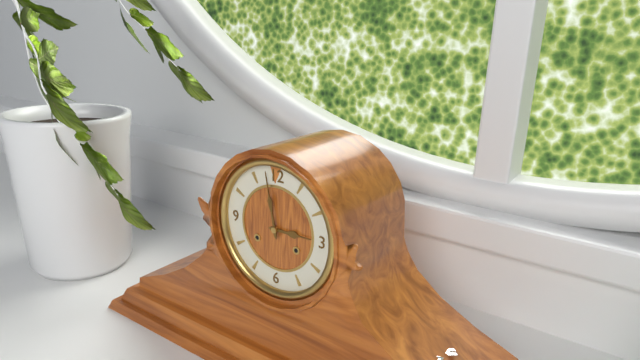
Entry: h=2 m=58
